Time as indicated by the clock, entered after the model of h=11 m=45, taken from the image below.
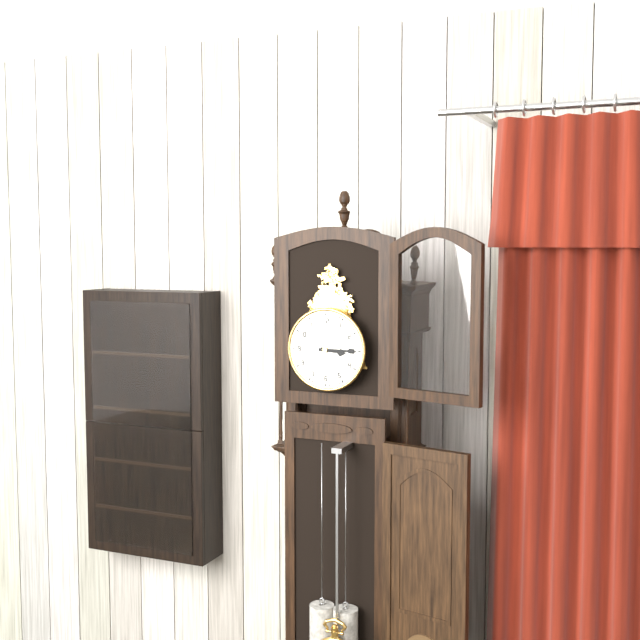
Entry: h=3 m=15
